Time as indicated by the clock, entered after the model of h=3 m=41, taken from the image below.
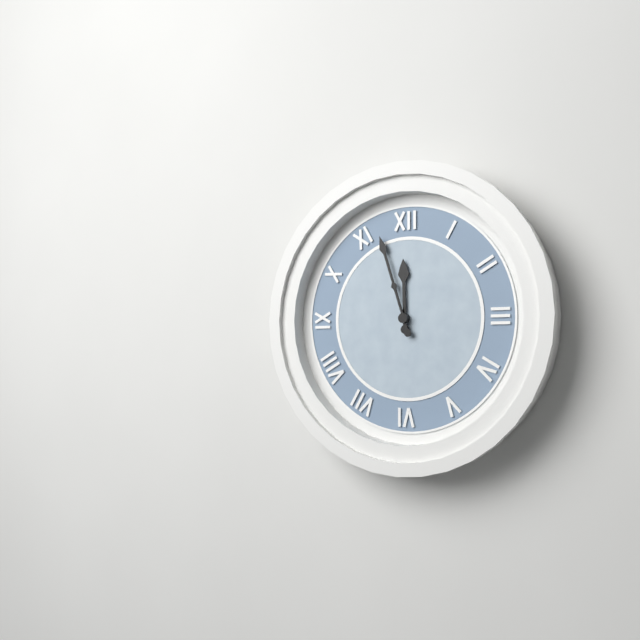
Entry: h=11 m=57
